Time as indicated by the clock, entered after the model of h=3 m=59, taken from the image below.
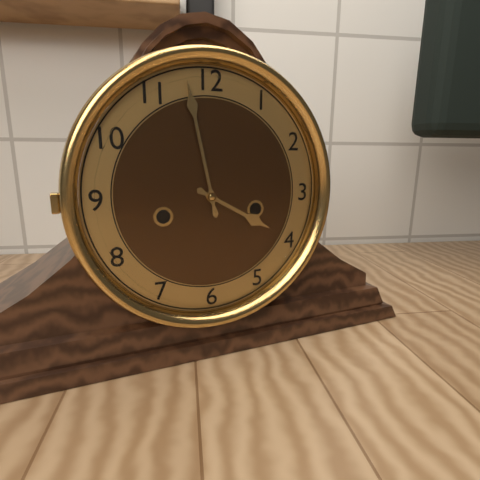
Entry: h=3 m=58
